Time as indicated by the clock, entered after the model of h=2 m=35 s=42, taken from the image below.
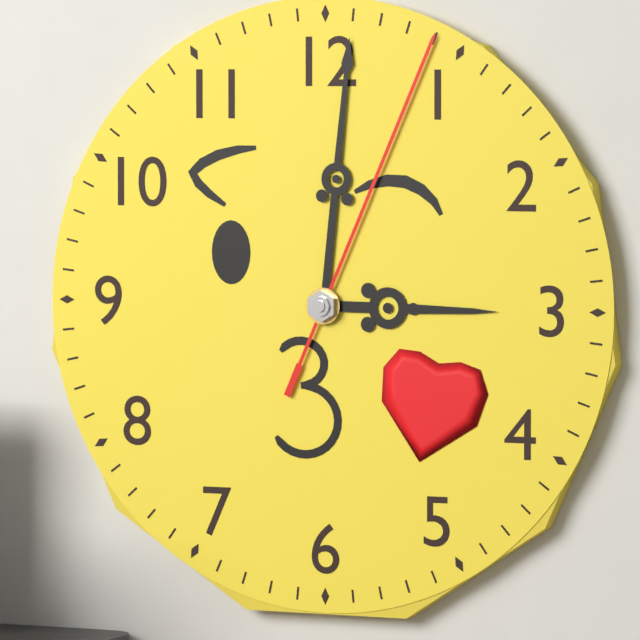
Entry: h=3 m=1 s=4
